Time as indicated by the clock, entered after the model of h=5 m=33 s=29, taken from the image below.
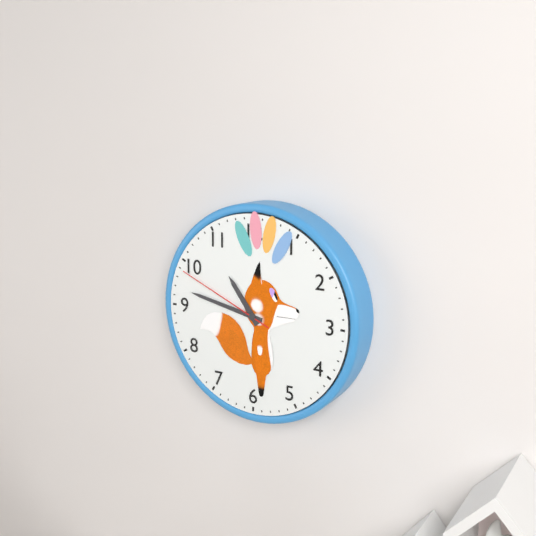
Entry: h=10 m=47 s=49
